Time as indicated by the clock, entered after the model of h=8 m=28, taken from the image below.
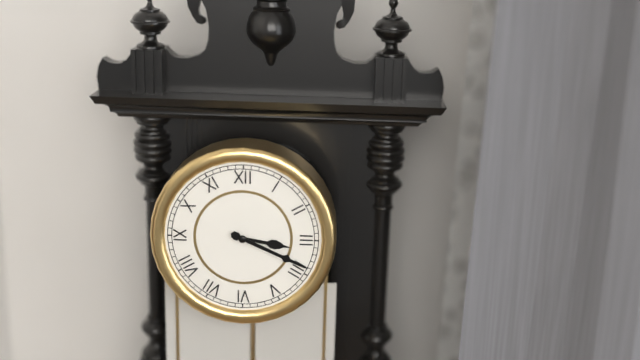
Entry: h=3 m=19
